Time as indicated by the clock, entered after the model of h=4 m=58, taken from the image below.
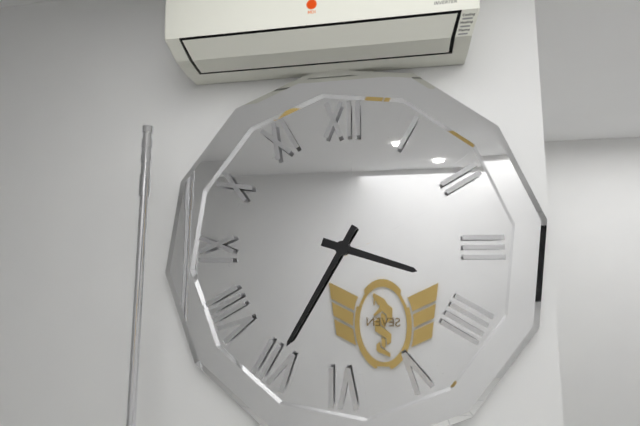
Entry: h=3 m=35
